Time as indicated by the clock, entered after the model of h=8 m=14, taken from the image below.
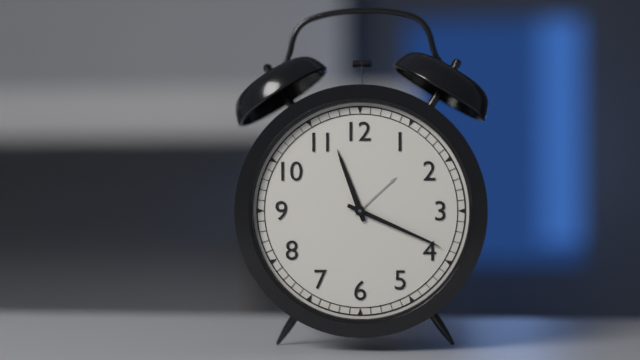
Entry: h=11 m=19
